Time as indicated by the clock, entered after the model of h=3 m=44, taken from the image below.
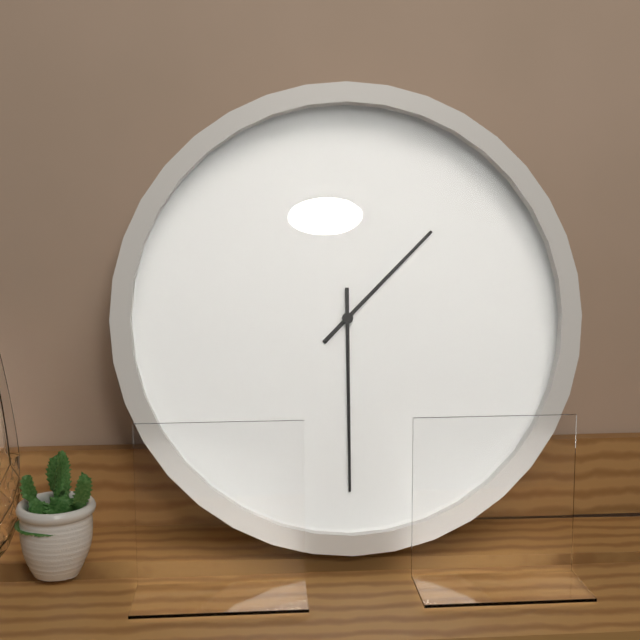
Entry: h=1 m=30
